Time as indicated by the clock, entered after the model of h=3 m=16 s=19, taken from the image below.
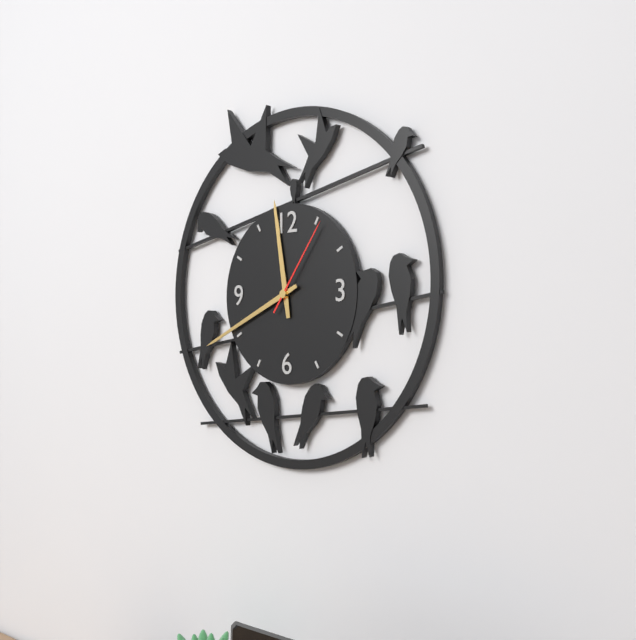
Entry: h=11 m=41 s=6
